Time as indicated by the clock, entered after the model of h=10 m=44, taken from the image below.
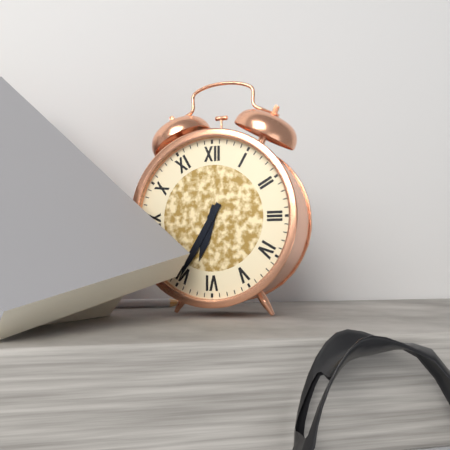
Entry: h=6 m=35
